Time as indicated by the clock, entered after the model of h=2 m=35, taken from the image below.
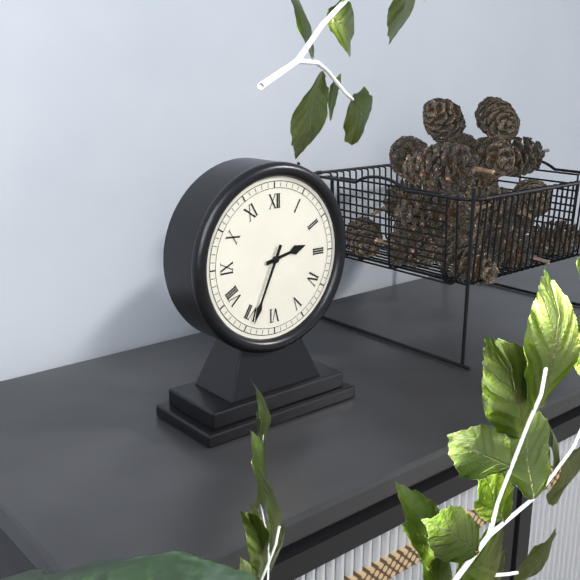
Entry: h=2 m=34
